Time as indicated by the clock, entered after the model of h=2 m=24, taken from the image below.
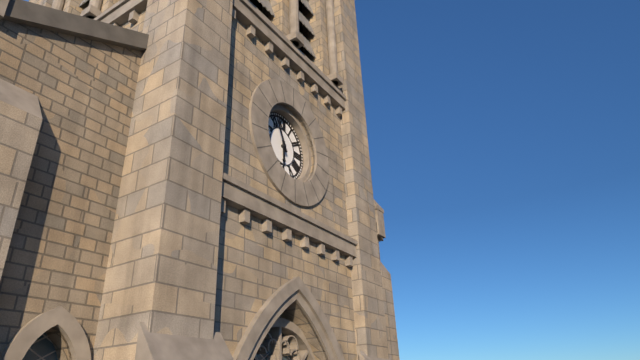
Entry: h=5 m=56
